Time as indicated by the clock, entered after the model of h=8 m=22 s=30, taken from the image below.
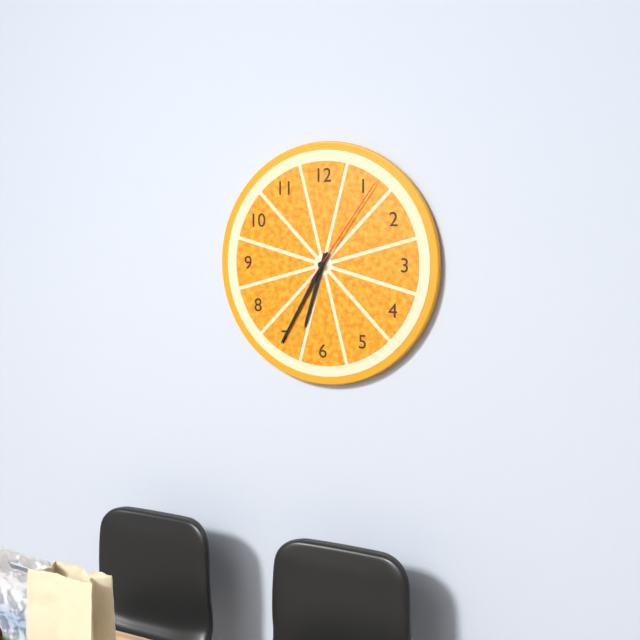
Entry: h=6 m=35 s=6
